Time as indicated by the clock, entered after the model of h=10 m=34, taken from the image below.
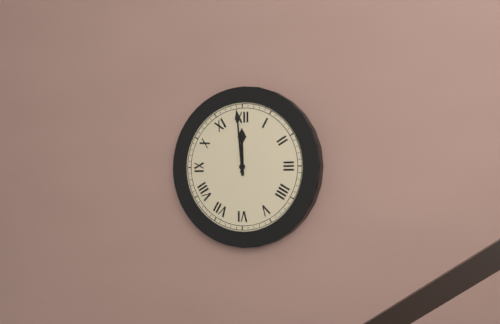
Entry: h=11 m=59
